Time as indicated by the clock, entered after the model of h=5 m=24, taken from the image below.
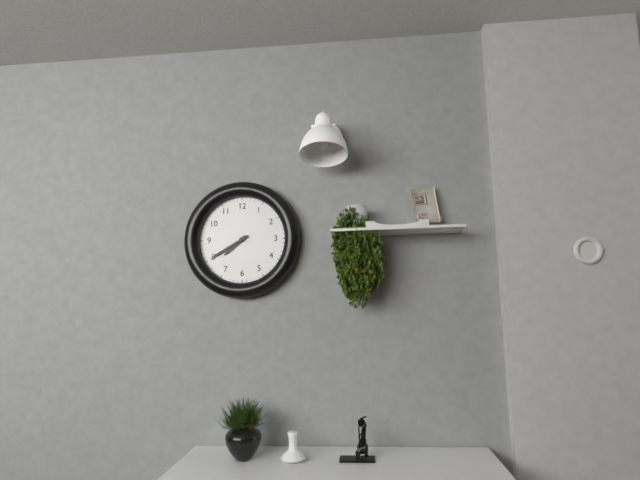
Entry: h=7 m=40
